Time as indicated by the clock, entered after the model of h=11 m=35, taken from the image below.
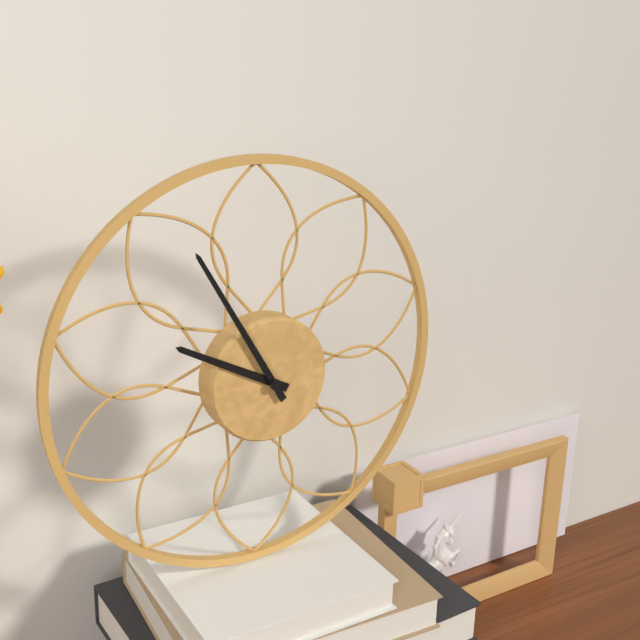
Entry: h=9 m=55
